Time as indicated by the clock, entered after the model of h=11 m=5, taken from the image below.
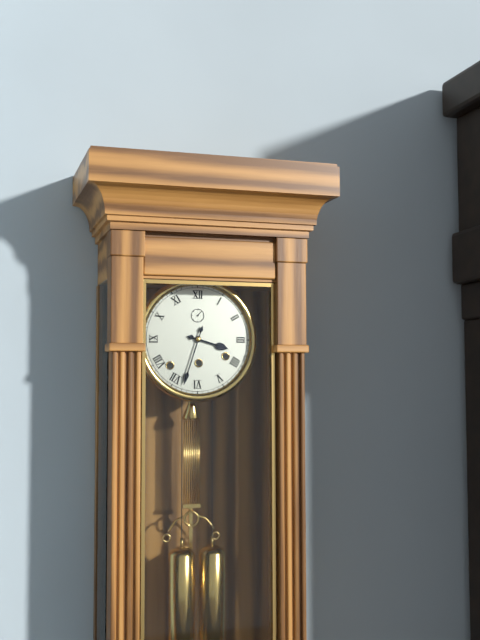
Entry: h=3 m=33
